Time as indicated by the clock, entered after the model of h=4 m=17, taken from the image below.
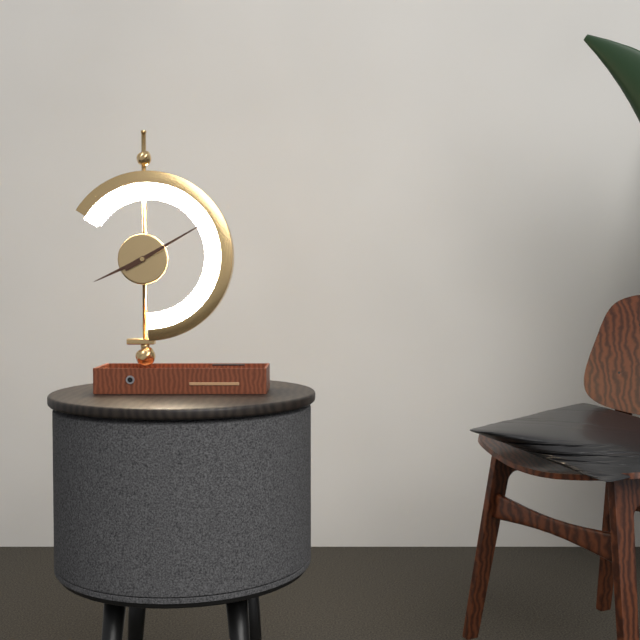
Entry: h=8 m=10
